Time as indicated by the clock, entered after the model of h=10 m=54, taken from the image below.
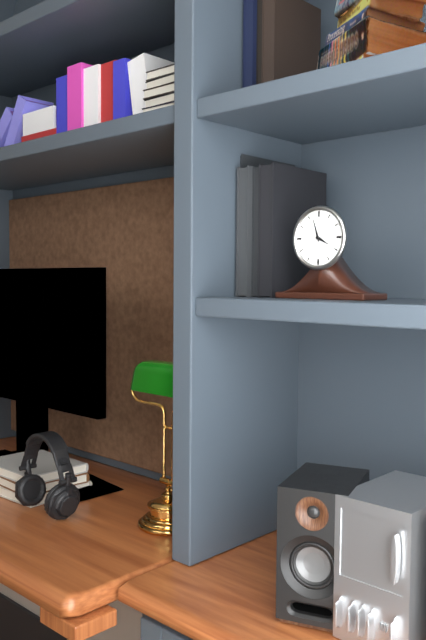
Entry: h=3 m=57
